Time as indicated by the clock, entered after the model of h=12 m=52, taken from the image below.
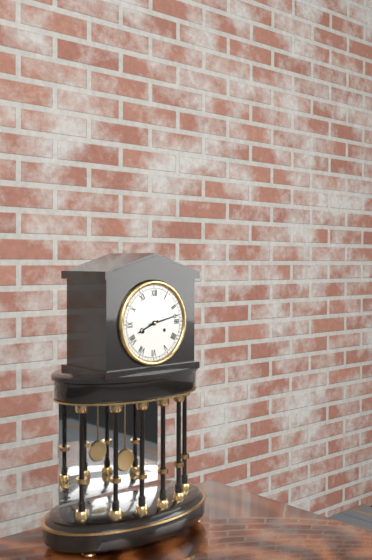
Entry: h=8 m=13
